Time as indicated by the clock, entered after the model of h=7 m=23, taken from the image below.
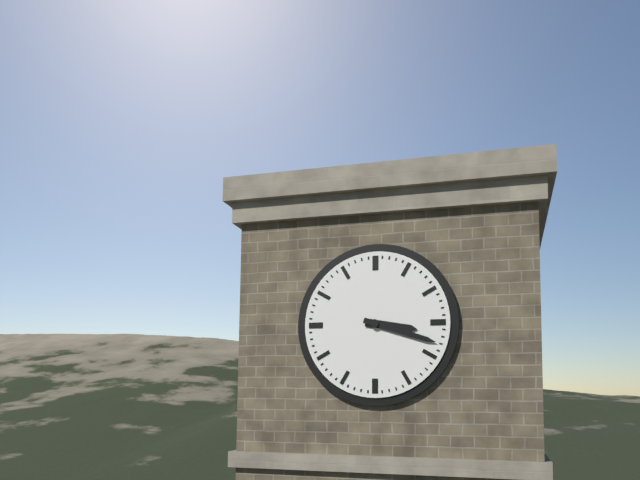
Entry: h=3 m=18
